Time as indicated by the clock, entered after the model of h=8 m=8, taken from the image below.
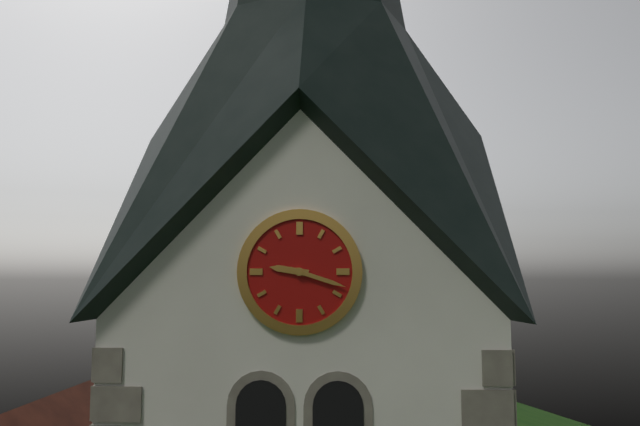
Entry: h=9 m=18
